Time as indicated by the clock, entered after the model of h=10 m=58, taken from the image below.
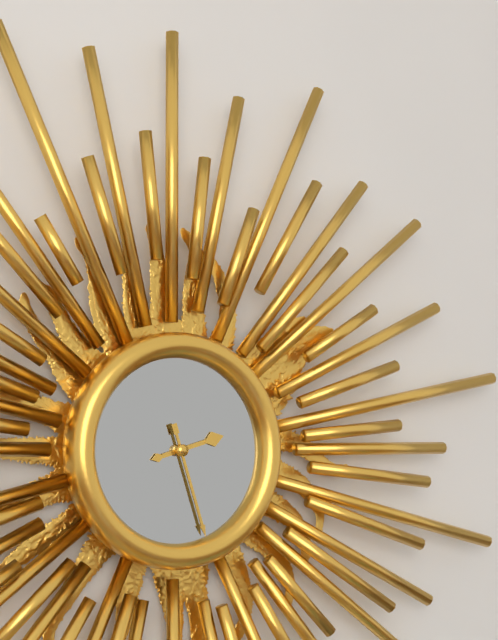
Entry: h=2 m=27
